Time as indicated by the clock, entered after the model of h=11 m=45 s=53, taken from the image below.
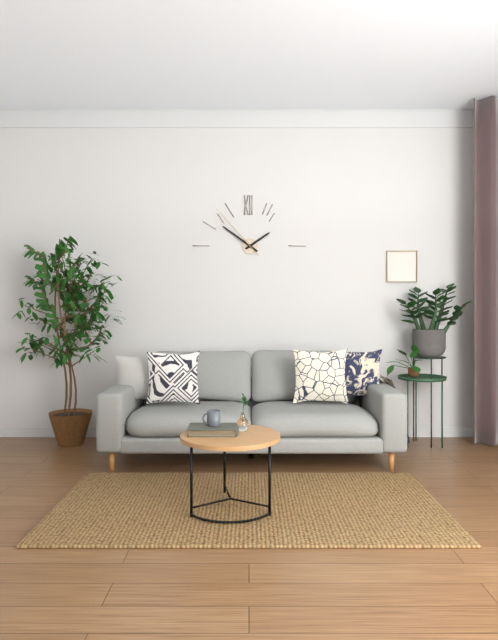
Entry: h=1 m=51 s=53
